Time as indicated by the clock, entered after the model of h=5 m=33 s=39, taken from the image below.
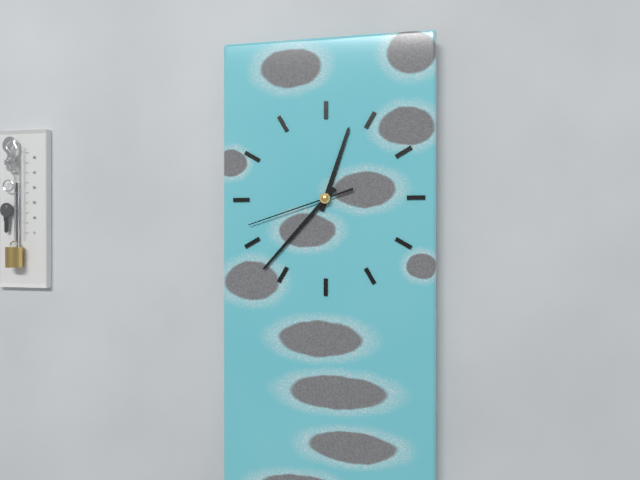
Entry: h=12 m=37 s=42
